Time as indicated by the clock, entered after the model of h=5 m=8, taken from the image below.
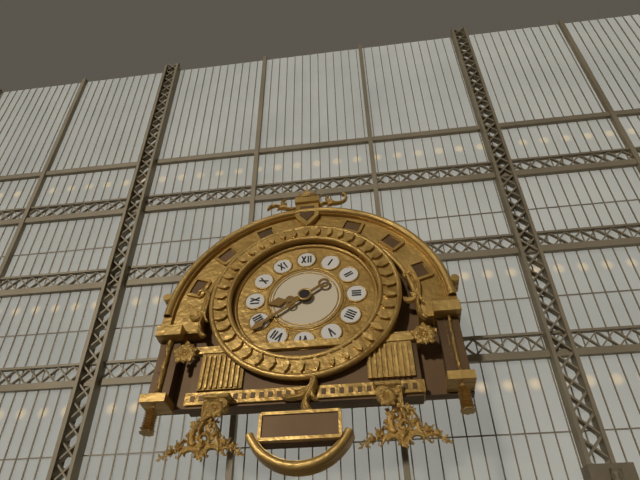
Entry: h=8 m=39
